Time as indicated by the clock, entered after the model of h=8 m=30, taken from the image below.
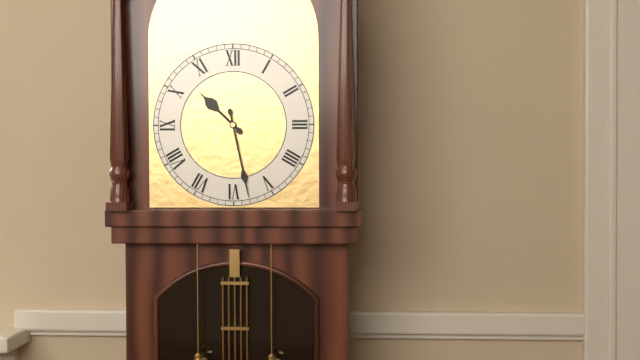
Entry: h=10 m=28
